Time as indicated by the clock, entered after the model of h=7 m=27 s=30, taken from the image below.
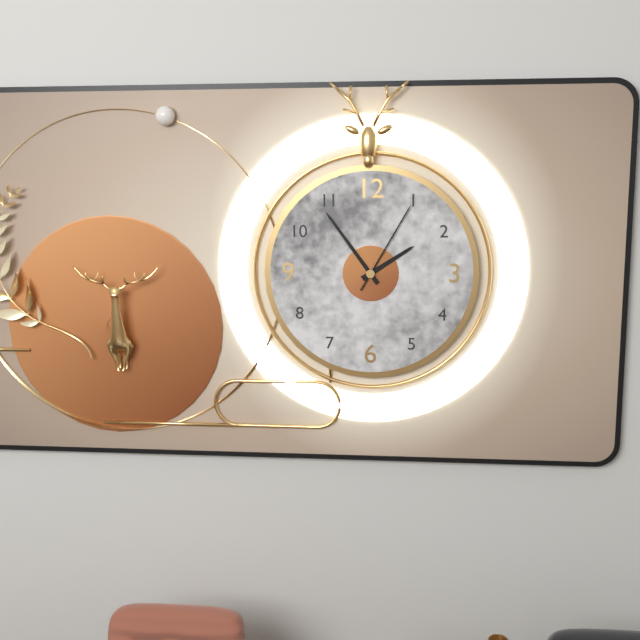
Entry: h=1 m=54 s=5
